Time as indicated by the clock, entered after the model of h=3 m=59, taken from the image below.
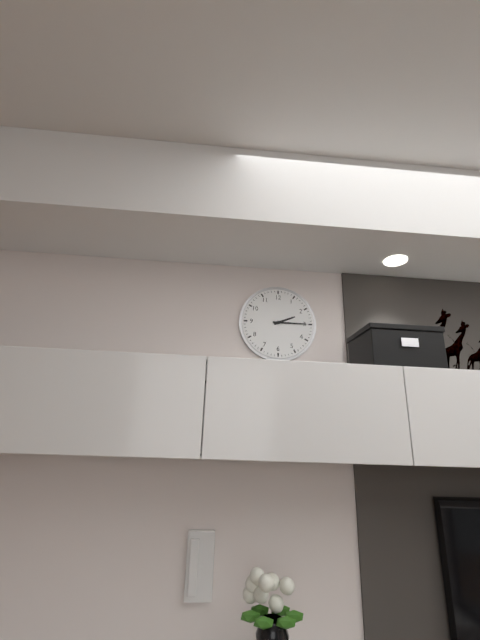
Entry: h=2 m=15
